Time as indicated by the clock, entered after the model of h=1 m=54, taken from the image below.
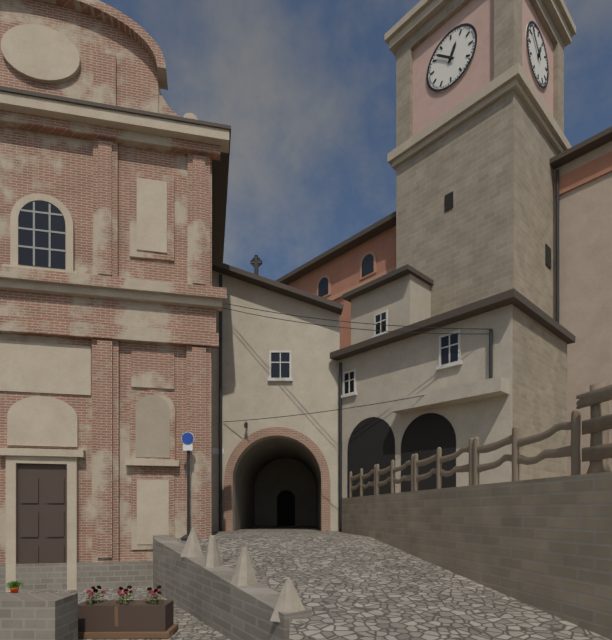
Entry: h=12 m=52
